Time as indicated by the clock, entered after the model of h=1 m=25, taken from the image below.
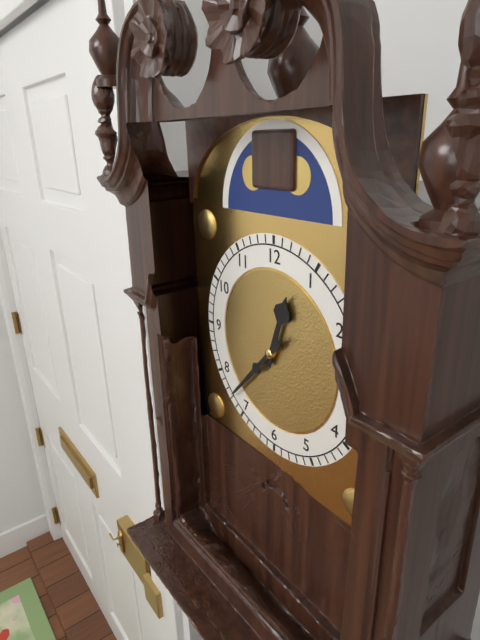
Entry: h=12 m=37
